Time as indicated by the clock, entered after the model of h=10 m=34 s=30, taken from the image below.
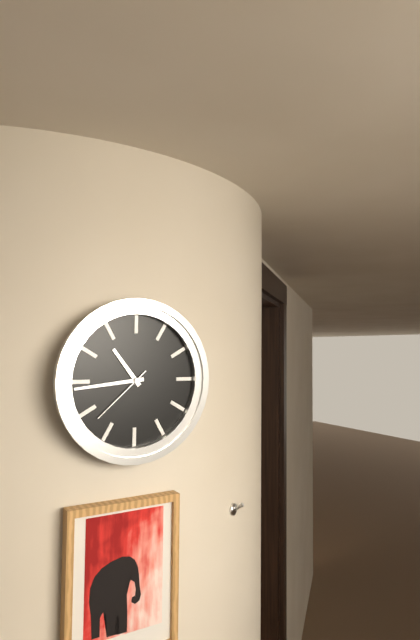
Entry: h=10 m=44 s=38
